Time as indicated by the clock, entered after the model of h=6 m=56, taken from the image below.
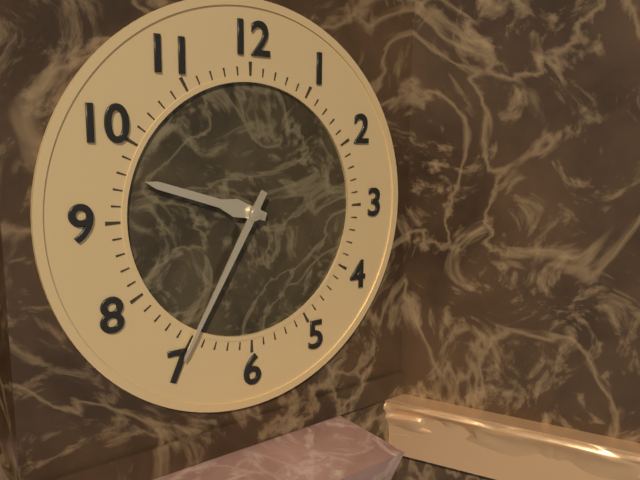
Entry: h=9 m=35
